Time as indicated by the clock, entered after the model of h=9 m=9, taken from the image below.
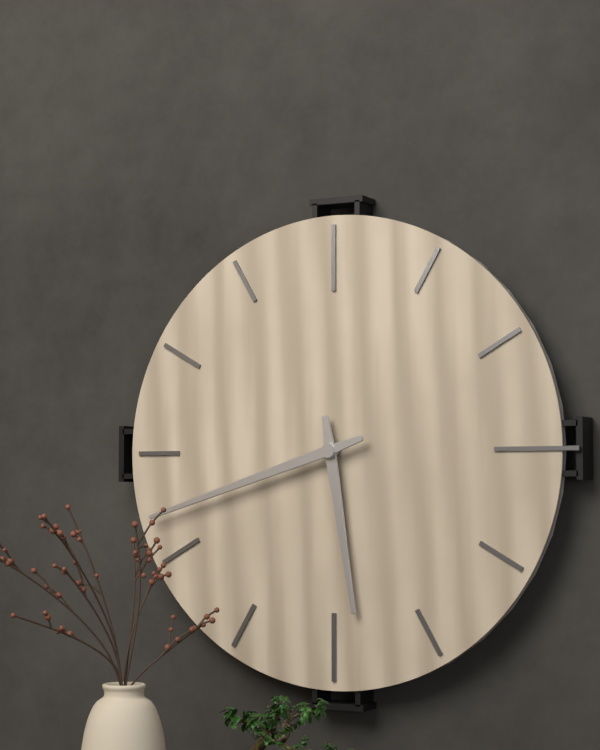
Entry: h=5 m=42
